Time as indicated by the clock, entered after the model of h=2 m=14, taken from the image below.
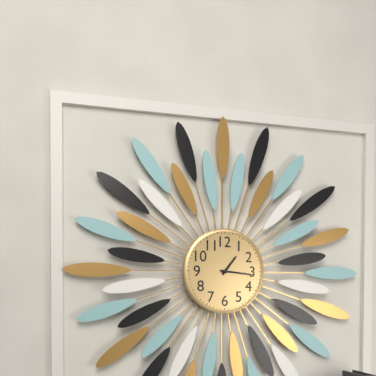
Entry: h=1 m=16
